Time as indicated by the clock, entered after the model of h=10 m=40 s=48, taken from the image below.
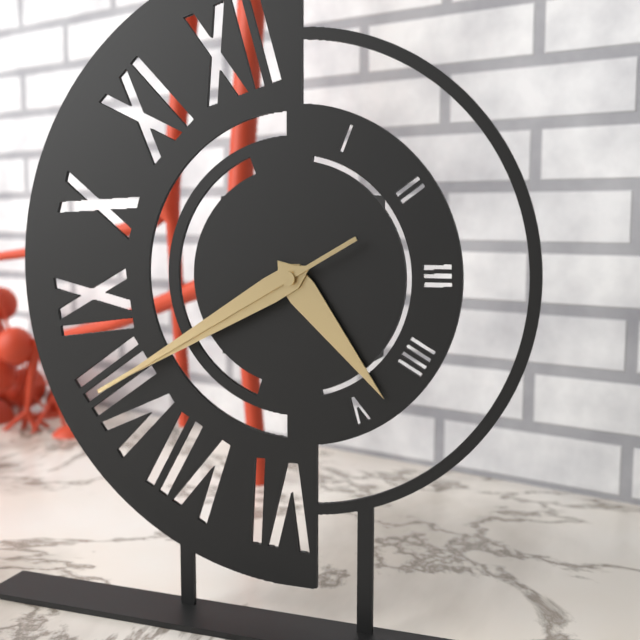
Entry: h=4 m=40 s=40
